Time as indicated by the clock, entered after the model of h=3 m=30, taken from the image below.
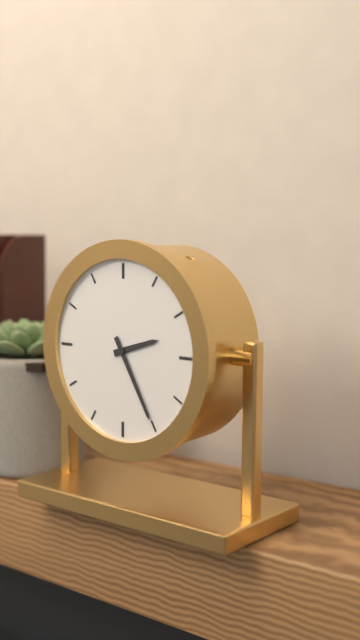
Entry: h=2 m=25
